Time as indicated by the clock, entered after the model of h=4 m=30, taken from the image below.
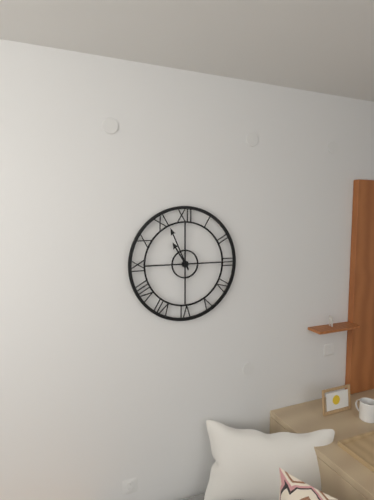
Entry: h=10 m=56
